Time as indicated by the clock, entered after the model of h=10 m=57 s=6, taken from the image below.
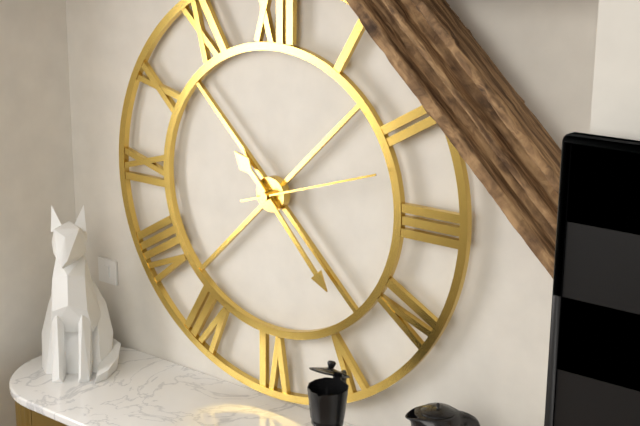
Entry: h=10 m=23 s=12
